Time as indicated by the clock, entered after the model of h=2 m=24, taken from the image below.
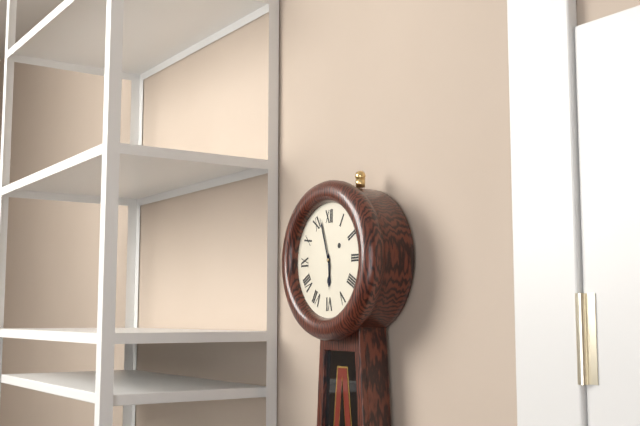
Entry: h=5 m=57
